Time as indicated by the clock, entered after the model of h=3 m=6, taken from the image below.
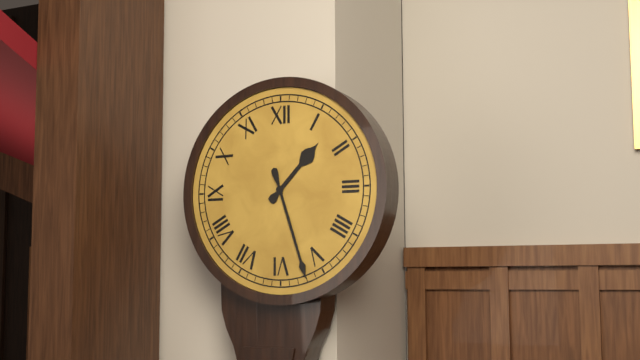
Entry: h=1 m=27
